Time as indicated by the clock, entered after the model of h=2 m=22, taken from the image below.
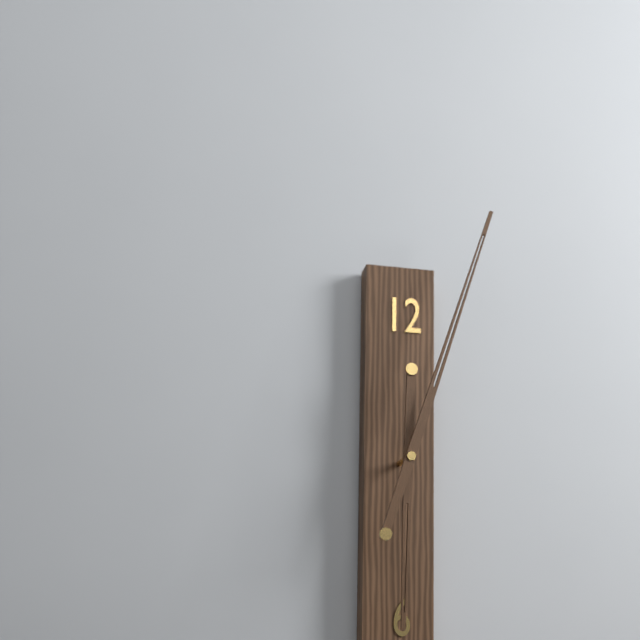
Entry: h=6 m=3
